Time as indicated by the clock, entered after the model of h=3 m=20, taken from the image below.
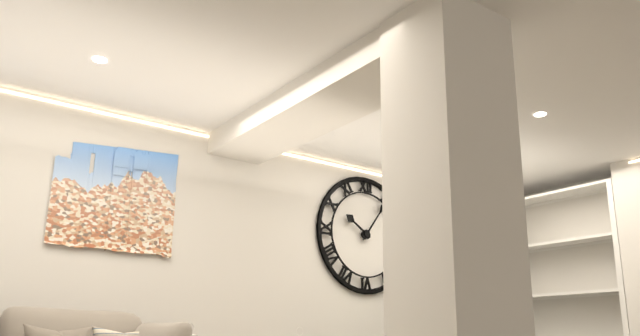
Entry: h=10 m=6
